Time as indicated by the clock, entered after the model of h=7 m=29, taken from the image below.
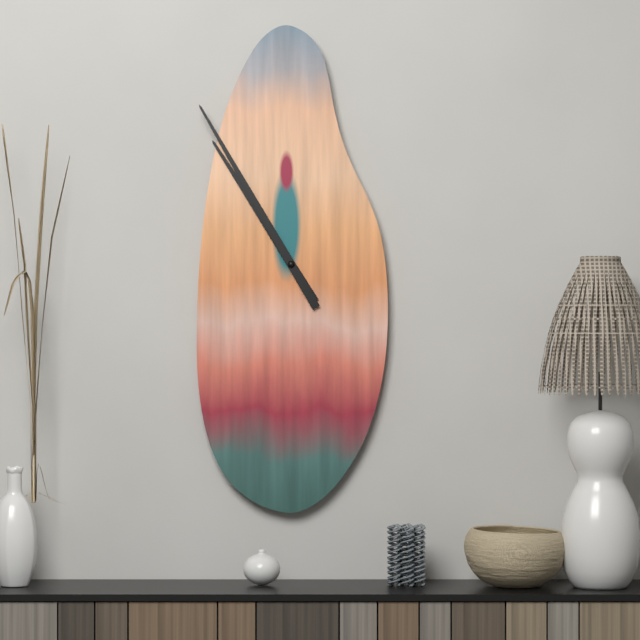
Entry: h=10 m=55
